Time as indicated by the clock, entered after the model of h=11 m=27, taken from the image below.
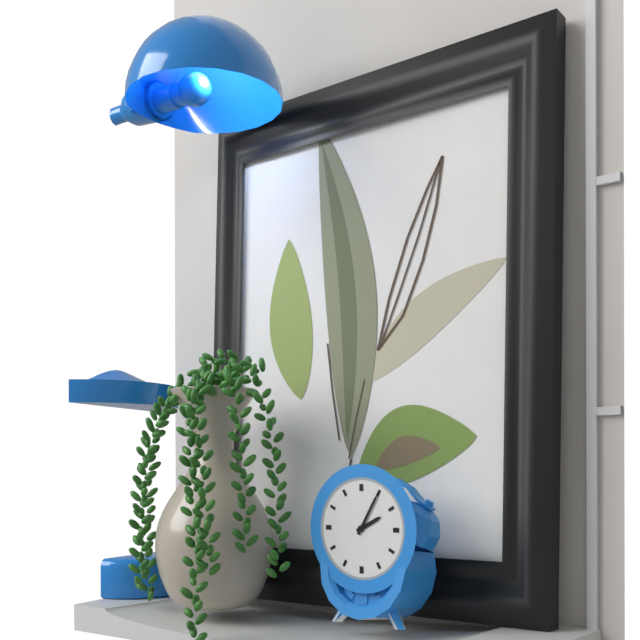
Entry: h=2 m=5
